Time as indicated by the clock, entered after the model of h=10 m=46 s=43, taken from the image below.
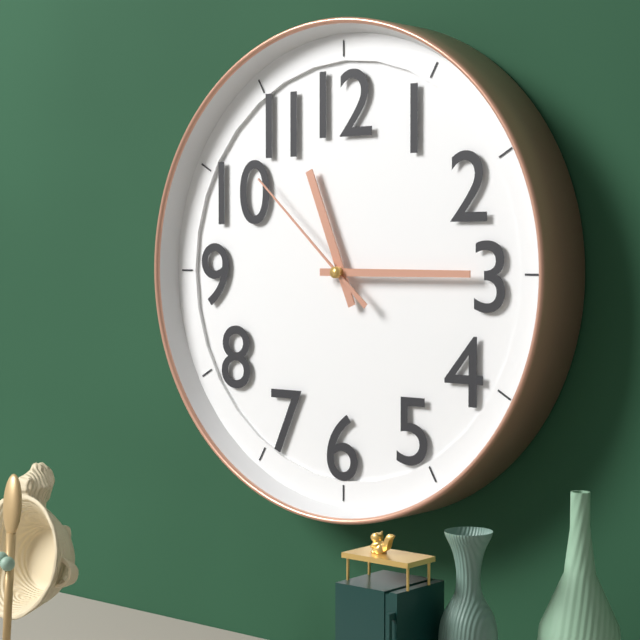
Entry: h=11 m=15 s=52
